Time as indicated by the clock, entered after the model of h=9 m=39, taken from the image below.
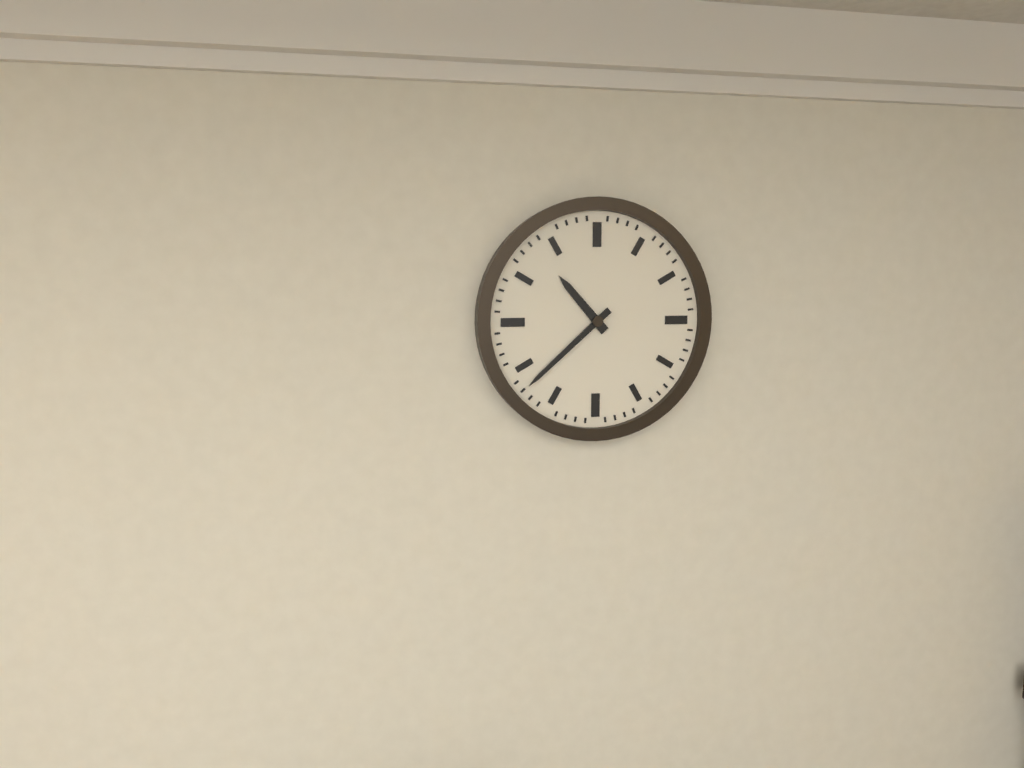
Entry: h=10 m=38
